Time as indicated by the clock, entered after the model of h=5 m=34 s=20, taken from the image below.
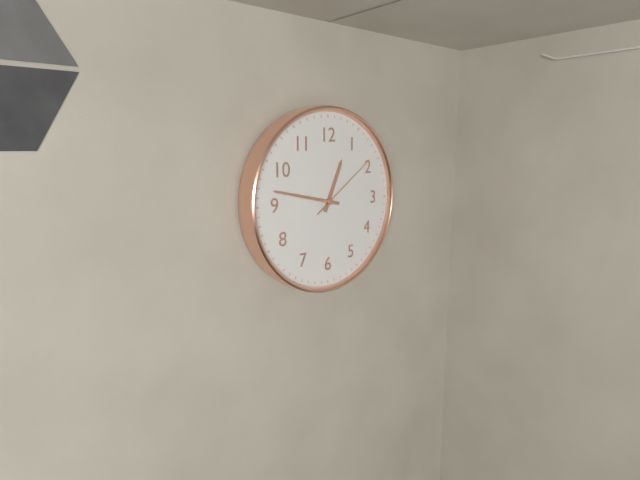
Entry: h=12 m=47 s=9
